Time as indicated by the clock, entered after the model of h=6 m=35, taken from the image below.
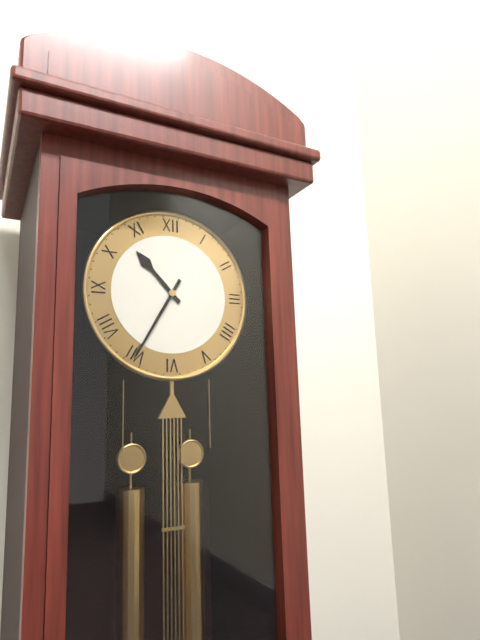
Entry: h=10 m=35
